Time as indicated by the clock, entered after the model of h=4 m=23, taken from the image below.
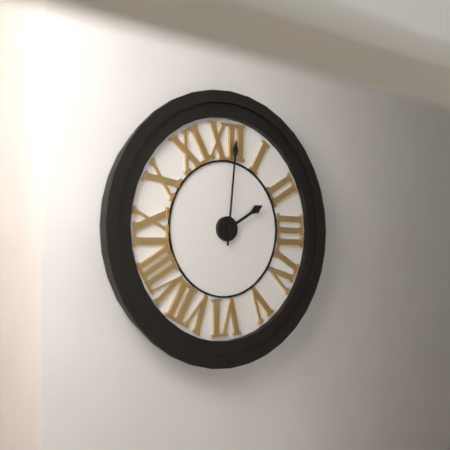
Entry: h=2 m=1
